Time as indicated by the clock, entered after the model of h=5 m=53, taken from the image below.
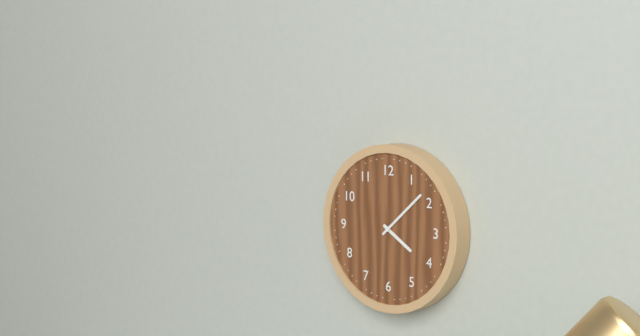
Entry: h=4 m=8
